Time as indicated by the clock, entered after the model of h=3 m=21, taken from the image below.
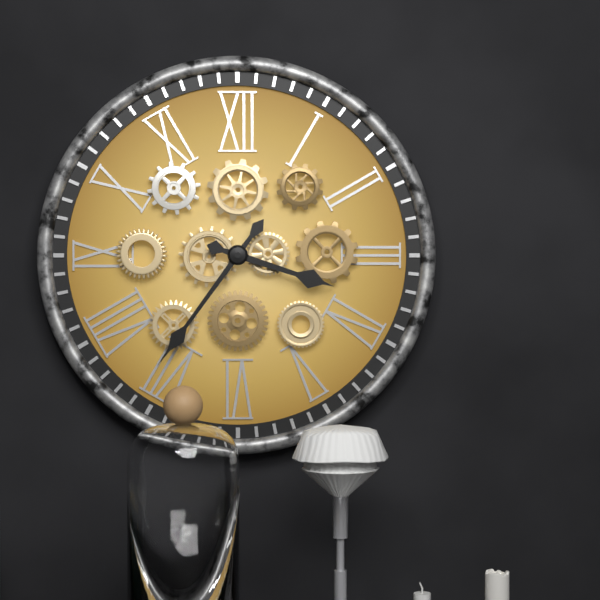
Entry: h=3 m=36
